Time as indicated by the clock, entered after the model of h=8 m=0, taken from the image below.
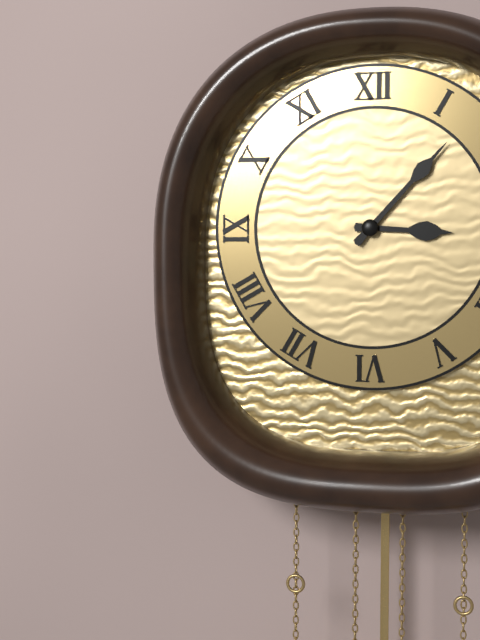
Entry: h=3 m=7
